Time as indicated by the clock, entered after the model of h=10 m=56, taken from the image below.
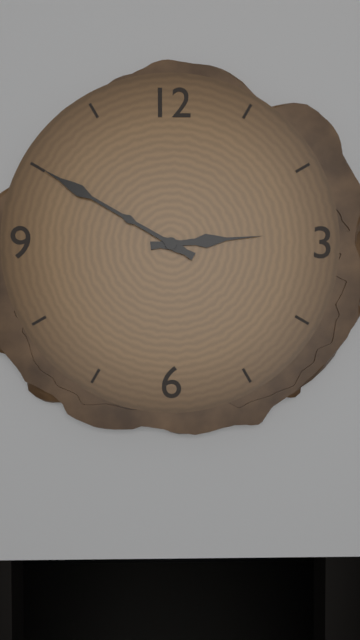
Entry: h=2 m=50
